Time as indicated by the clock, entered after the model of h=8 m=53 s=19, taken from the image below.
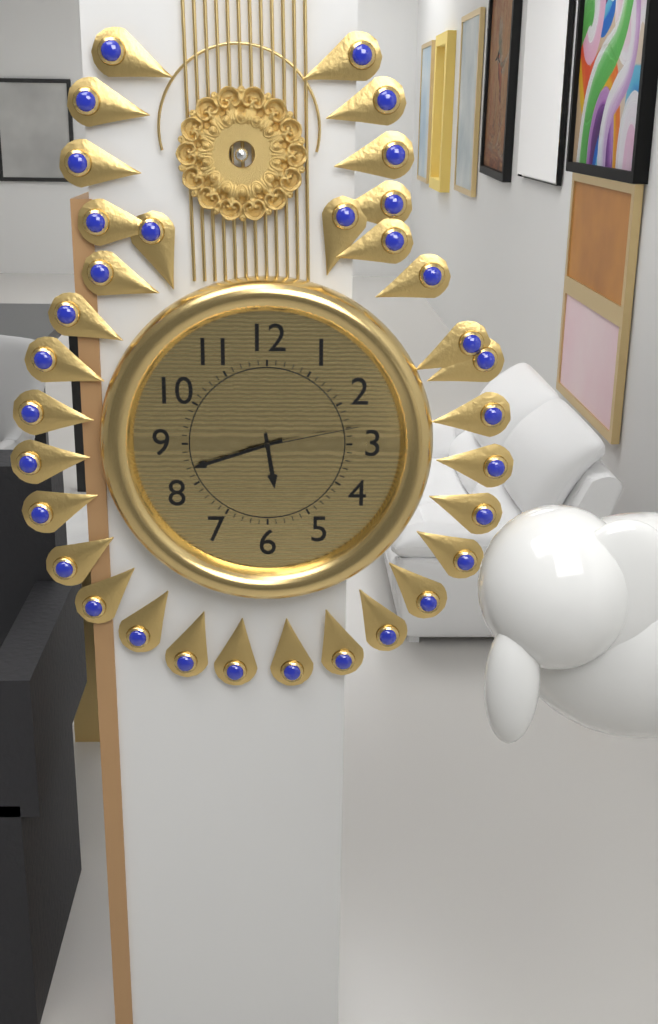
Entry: h=5 m=42 s=13
